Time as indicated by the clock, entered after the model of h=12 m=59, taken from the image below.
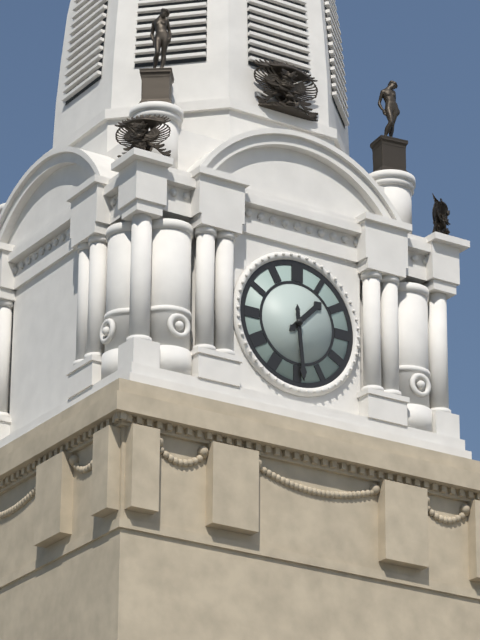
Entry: h=1 m=29
